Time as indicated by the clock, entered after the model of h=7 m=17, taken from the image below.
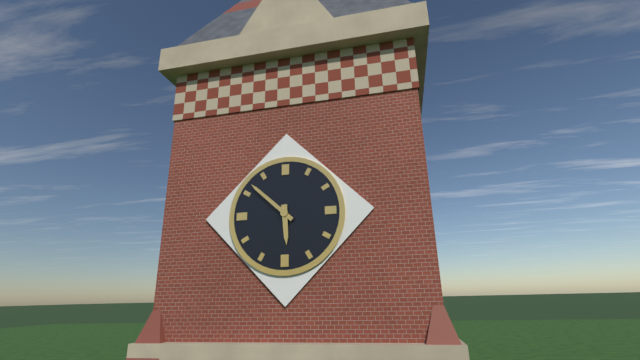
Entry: h=5 m=52
